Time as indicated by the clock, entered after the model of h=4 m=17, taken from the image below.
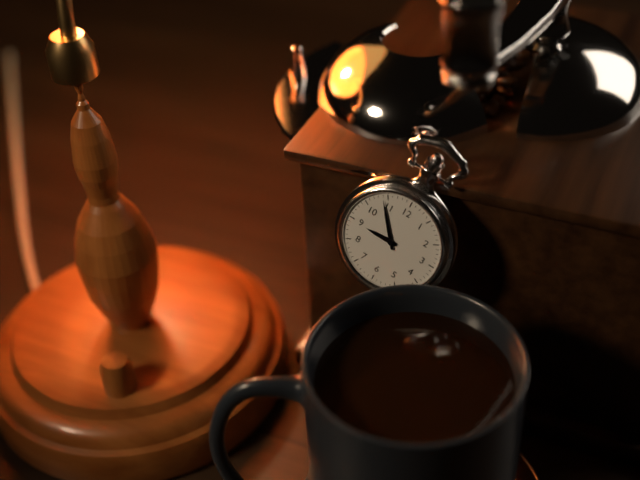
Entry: h=8 m=54
